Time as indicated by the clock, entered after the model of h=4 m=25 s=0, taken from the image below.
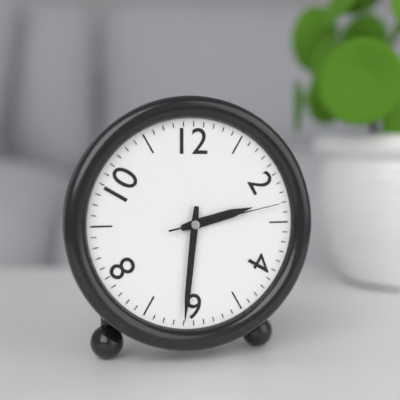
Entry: h=2 m=31 s=13
